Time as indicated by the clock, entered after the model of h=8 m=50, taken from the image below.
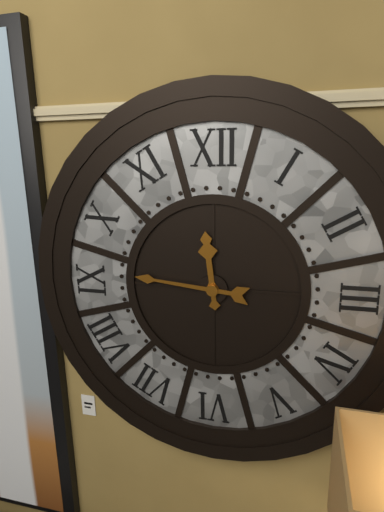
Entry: h=11 m=46
